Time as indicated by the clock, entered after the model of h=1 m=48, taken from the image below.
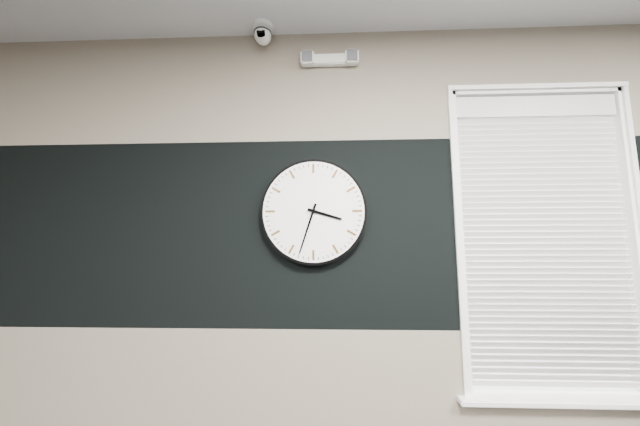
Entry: h=3 m=33
